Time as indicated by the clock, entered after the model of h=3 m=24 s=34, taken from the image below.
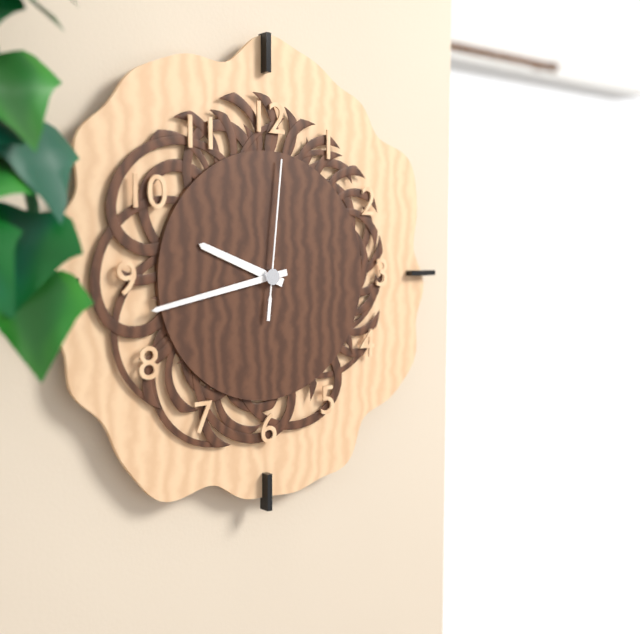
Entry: h=9 m=43 s=1
